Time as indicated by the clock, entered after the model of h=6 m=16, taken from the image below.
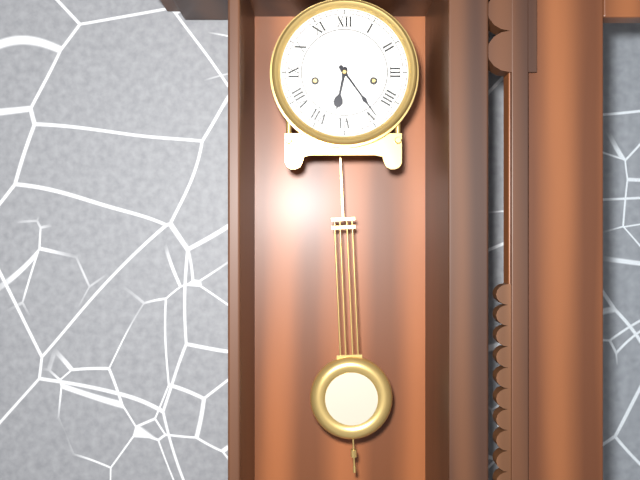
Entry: h=6 m=24
